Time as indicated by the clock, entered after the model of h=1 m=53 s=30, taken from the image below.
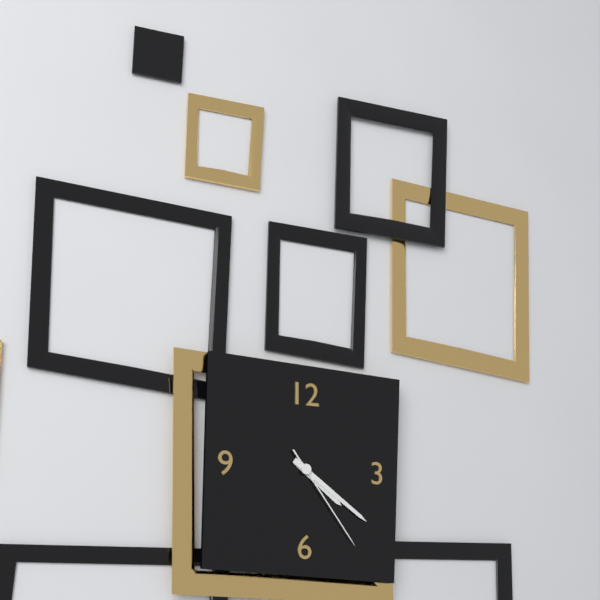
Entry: h=4 m=21 s=24
